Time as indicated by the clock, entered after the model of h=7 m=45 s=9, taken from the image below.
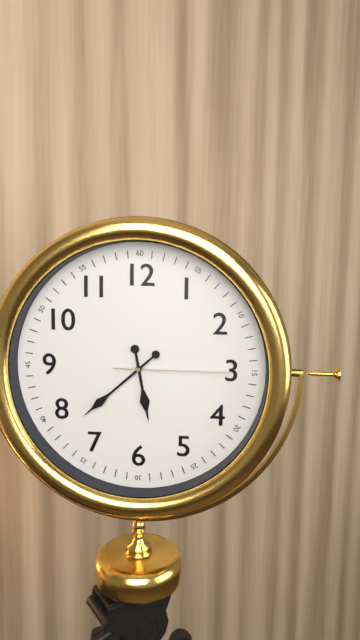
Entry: h=5 m=38 s=15
